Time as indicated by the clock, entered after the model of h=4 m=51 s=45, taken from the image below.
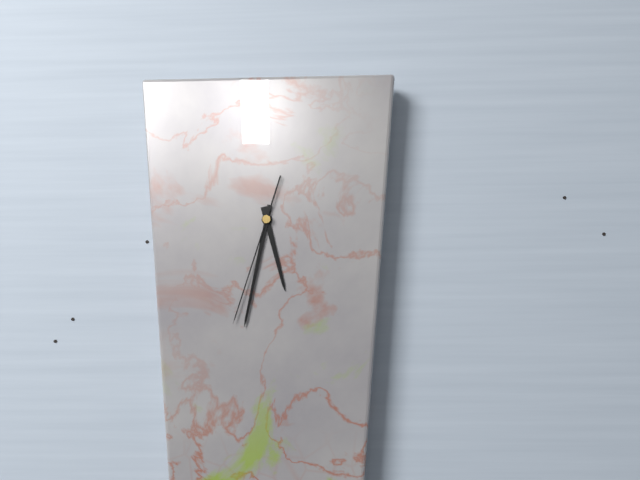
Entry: h=5 m=32 s=33
